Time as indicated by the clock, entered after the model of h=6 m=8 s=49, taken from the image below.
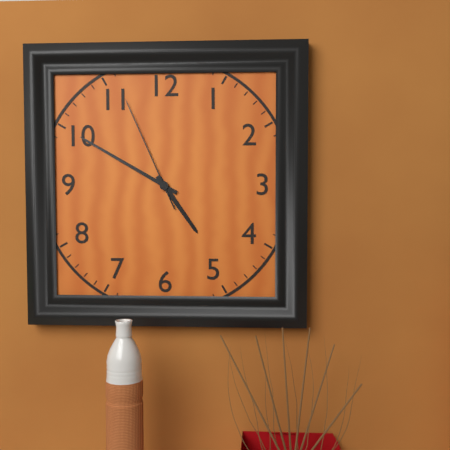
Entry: h=4 m=50 s=56
